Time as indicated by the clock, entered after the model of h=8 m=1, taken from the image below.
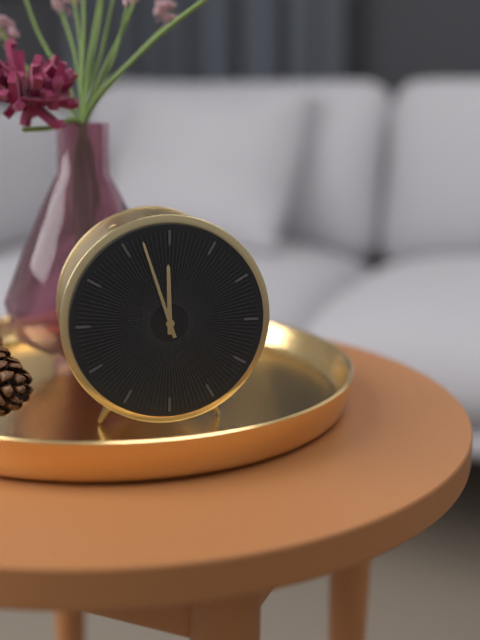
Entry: h=11 m=57
